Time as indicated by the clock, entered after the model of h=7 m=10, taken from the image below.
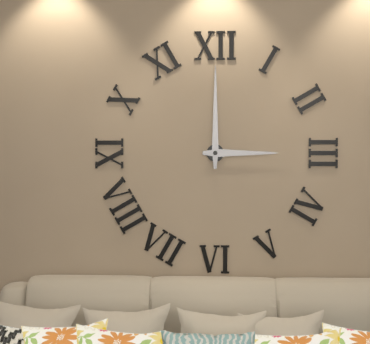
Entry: h=3 m=0
